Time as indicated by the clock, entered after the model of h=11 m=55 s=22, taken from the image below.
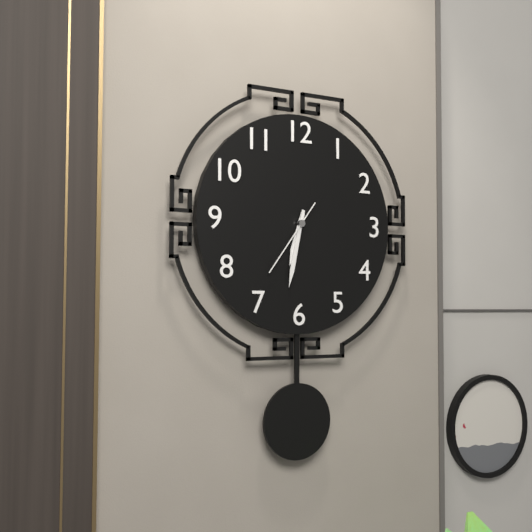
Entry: h=6 m=32 s=36
